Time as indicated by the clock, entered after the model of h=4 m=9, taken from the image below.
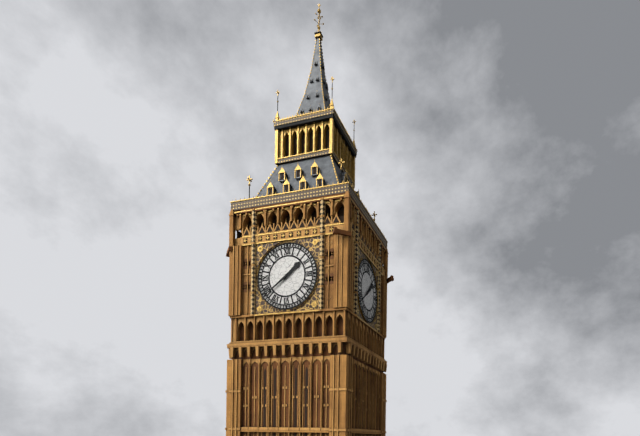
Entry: h=1 m=39
